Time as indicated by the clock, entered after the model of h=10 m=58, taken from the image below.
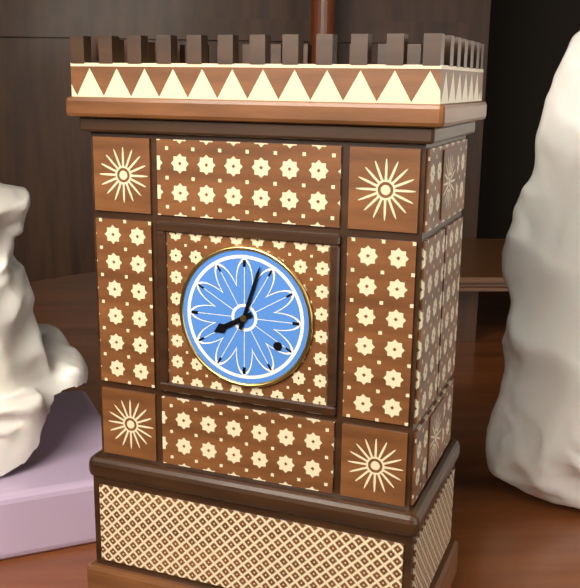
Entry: h=8 m=3
